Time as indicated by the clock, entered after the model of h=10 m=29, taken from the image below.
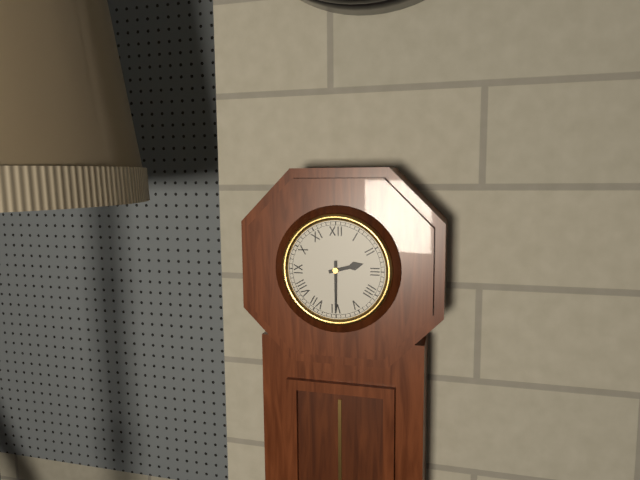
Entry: h=2 m=30
